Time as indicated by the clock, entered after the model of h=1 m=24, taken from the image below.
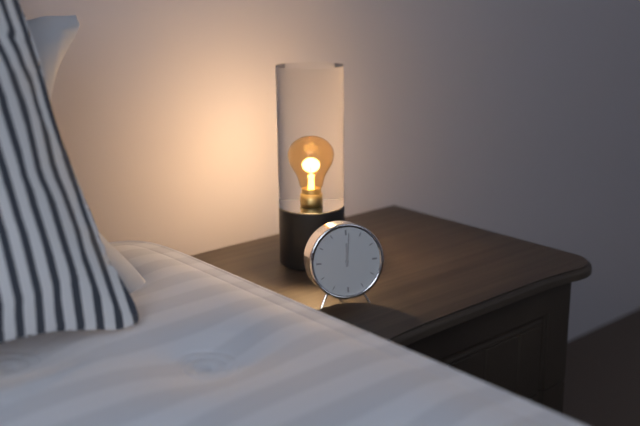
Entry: h=12 m=1
